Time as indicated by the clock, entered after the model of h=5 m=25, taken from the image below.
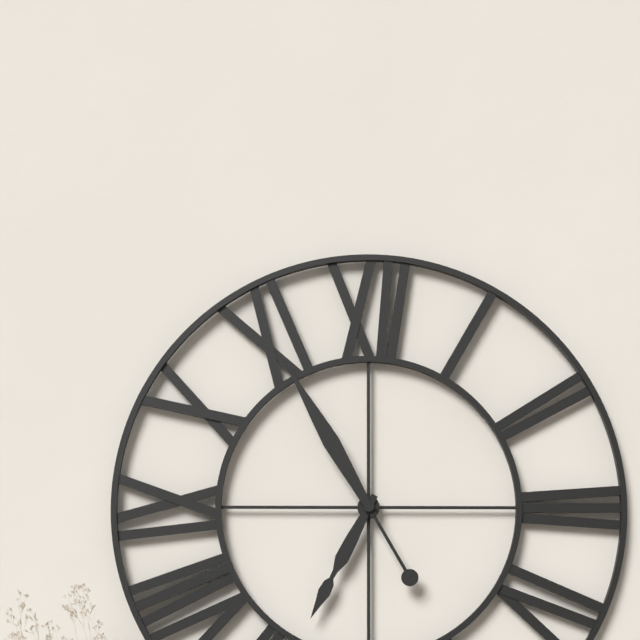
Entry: h=6 m=55
